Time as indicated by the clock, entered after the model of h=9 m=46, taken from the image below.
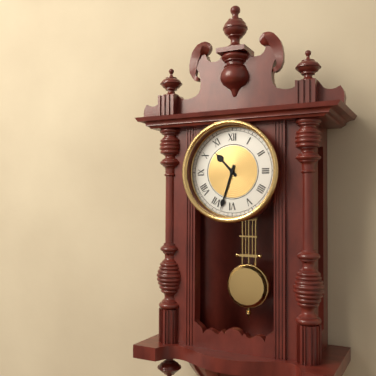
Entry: h=10 m=33
